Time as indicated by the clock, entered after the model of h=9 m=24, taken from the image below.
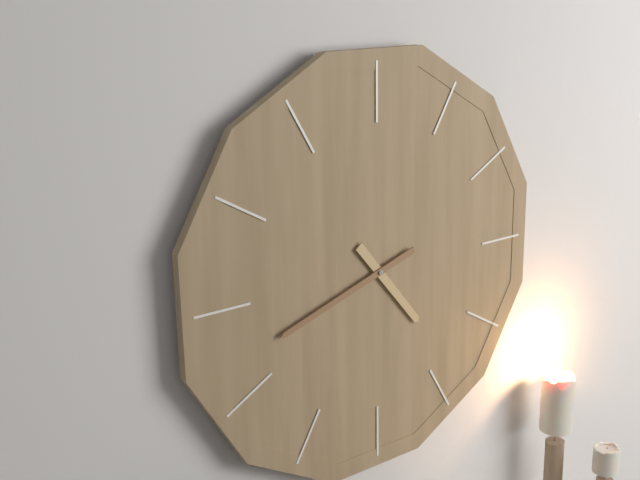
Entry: h=4 m=42
